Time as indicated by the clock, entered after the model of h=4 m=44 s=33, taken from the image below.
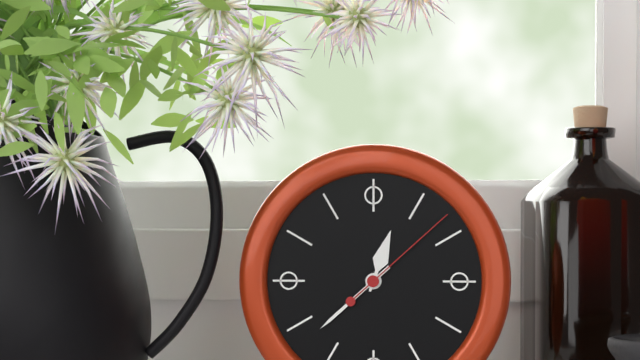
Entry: h=12 m=38 s=8
